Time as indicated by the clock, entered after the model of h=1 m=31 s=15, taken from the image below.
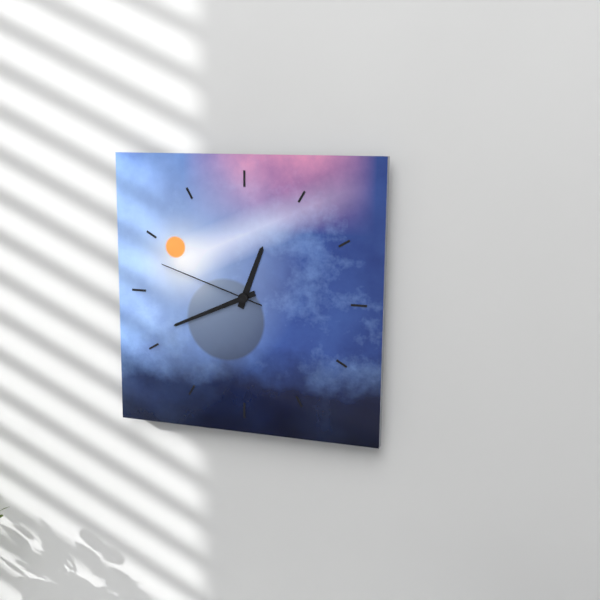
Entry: h=12 m=41 s=48
